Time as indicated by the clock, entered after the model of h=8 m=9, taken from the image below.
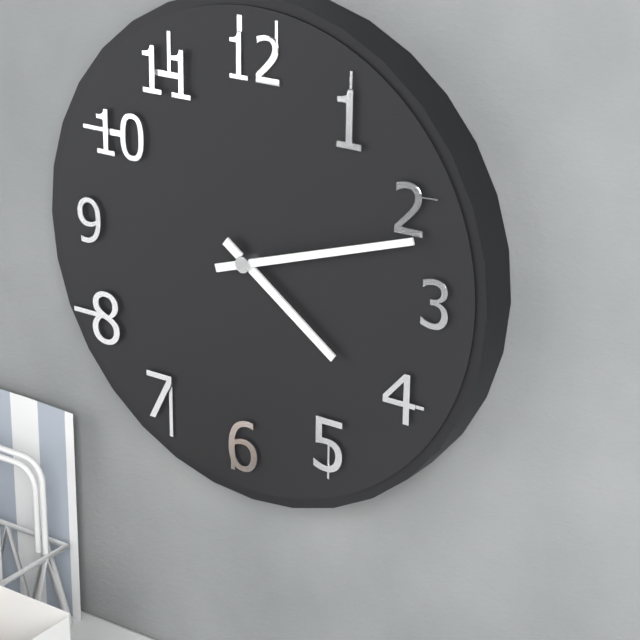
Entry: h=4 m=12
